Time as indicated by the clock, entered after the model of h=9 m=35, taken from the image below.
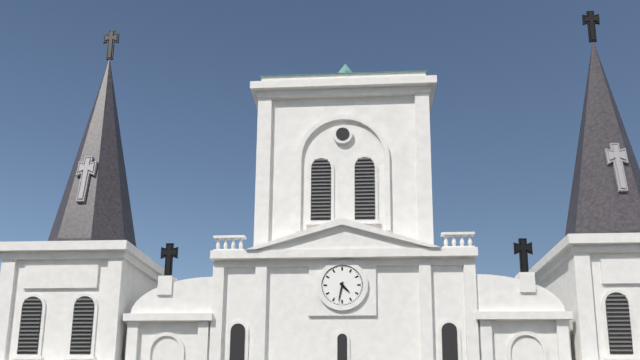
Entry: h=4 m=32
